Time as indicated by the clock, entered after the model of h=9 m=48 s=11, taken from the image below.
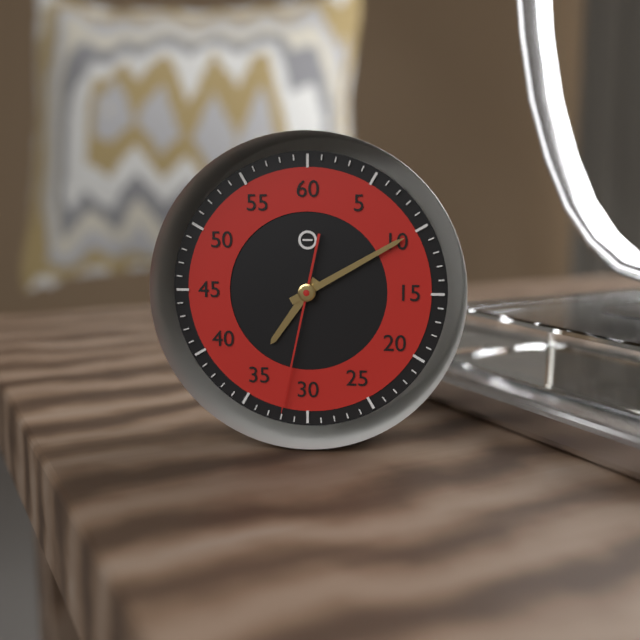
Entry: h=7 m=10 s=32
